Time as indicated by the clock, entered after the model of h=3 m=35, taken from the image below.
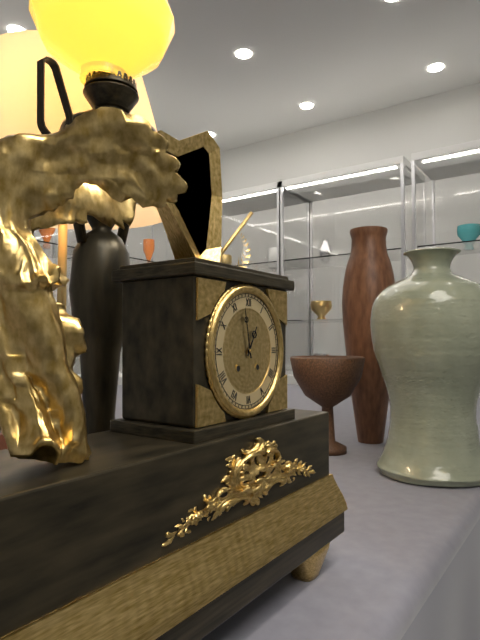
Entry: h=12 m=58
